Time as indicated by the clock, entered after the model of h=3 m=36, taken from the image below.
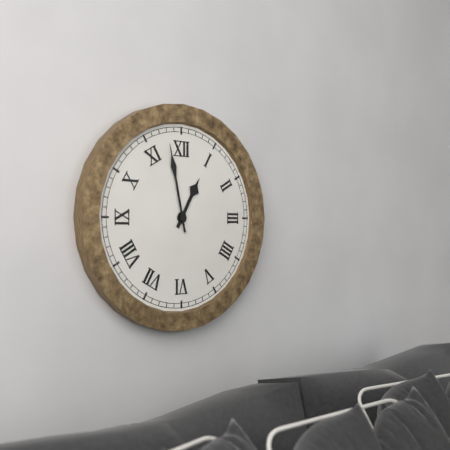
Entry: h=12 m=58
